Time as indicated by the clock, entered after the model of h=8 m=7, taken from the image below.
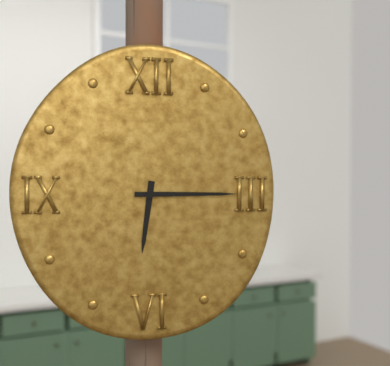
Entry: h=6 m=15
